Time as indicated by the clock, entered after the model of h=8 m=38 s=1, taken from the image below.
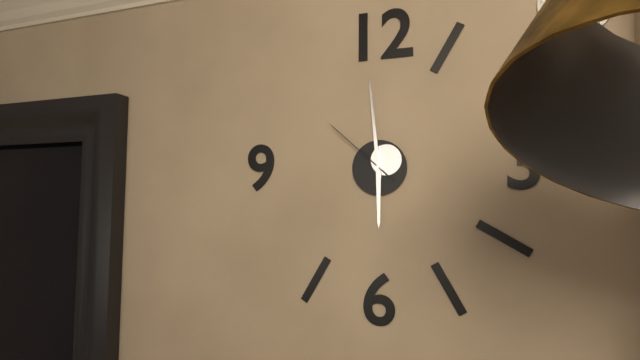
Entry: h=5 m=59 s=52
